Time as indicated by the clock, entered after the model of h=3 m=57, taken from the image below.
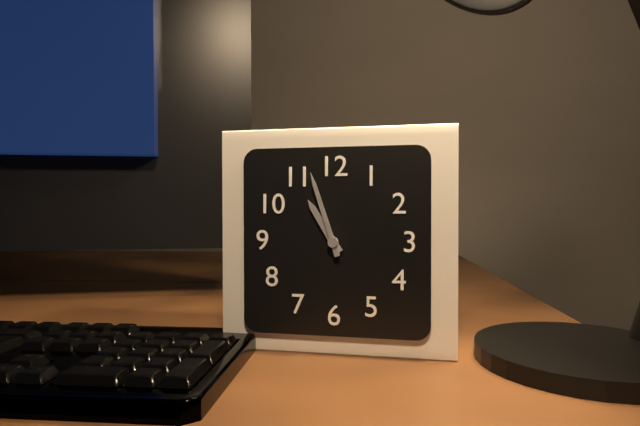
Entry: h=10 m=57
